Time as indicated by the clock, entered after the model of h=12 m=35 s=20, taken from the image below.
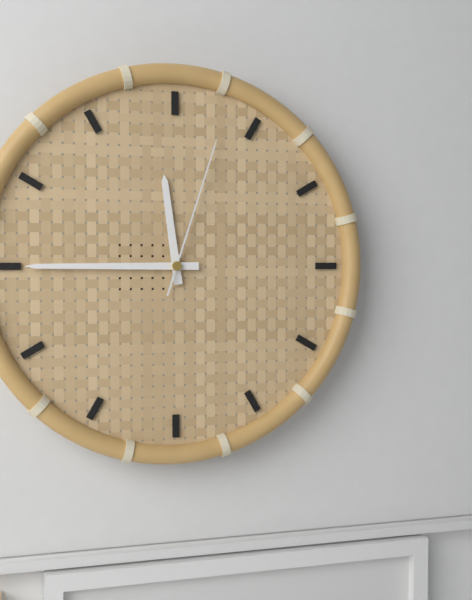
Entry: h=11 m=45 s=3
